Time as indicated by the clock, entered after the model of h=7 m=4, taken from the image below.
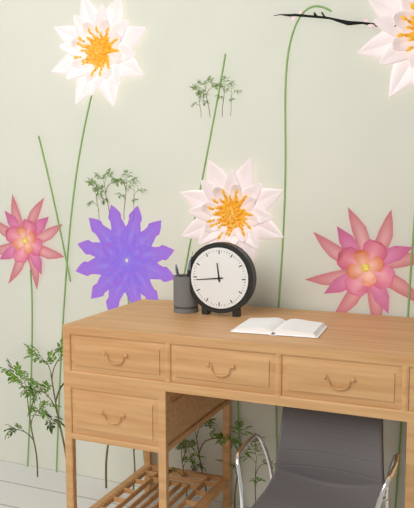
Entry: h=11 m=44
